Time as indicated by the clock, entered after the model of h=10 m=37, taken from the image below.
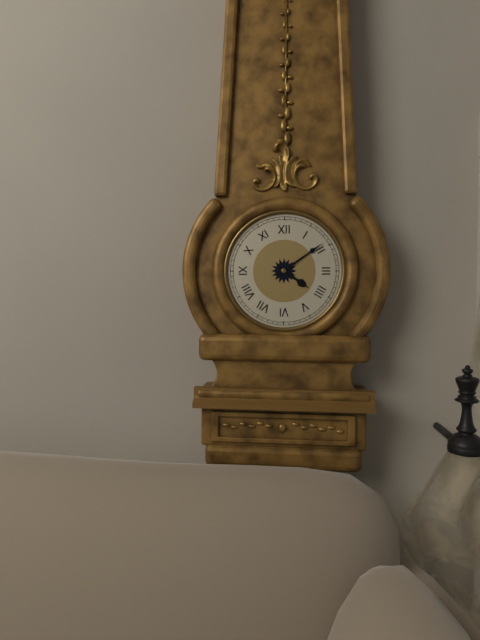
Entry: h=4 m=9
